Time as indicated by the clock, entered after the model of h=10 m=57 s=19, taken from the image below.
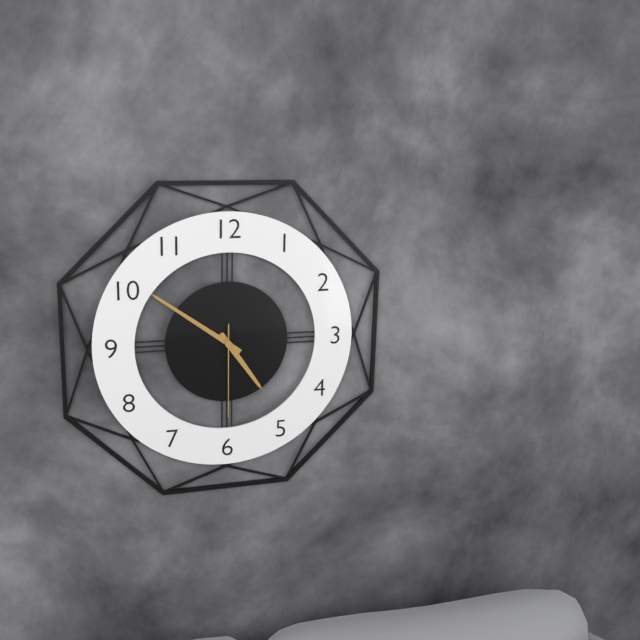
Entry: h=4 m=51 s=30
